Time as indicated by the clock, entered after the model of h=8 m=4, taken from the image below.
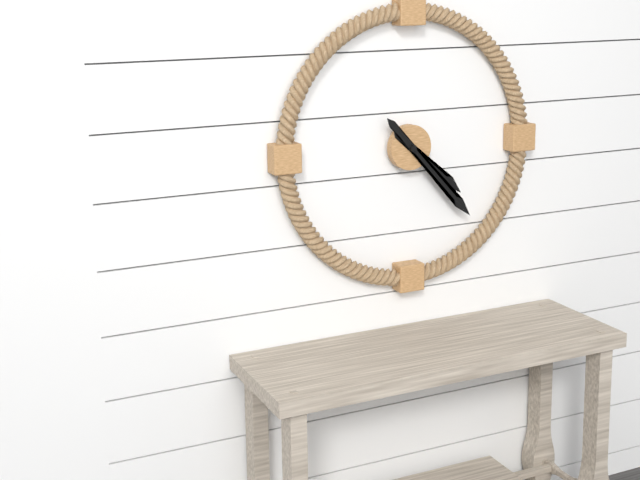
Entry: h=4 m=23
